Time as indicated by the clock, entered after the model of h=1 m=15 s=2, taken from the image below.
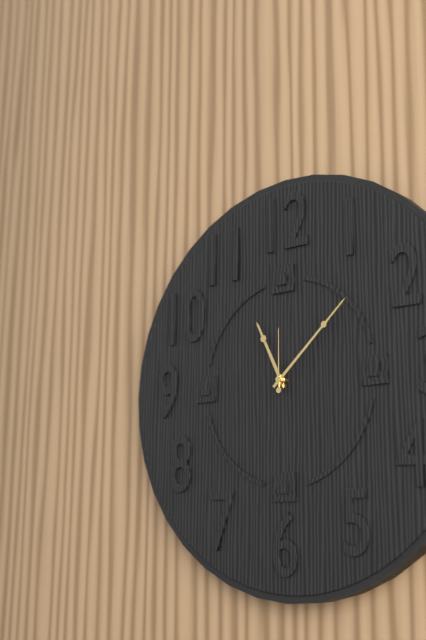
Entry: h=11 m=8 s=0
